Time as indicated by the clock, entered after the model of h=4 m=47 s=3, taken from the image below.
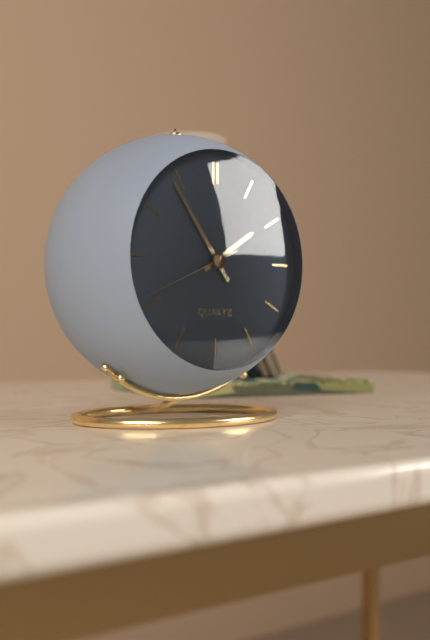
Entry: h=1 m=54 s=41
